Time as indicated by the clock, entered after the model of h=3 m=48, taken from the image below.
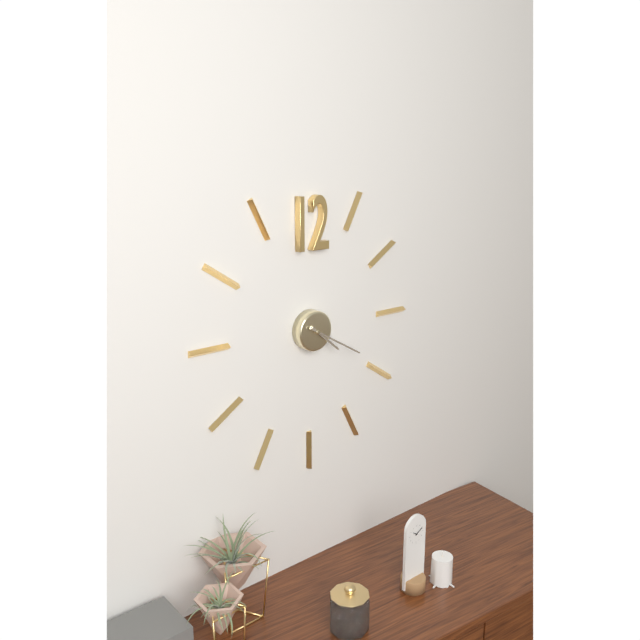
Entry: h=4 m=20
